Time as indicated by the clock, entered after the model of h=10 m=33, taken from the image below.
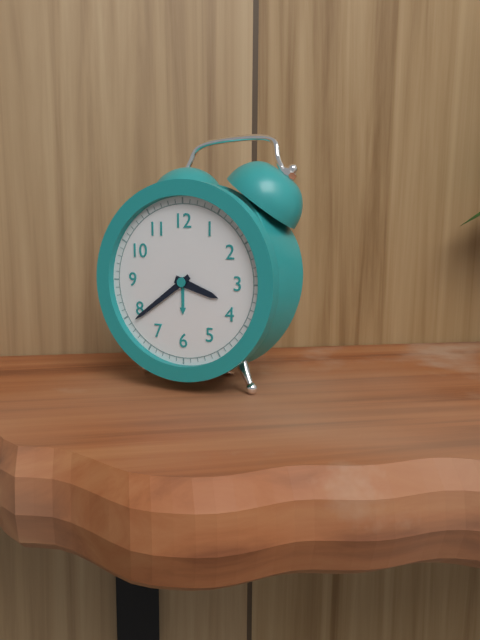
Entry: h=3 m=39
